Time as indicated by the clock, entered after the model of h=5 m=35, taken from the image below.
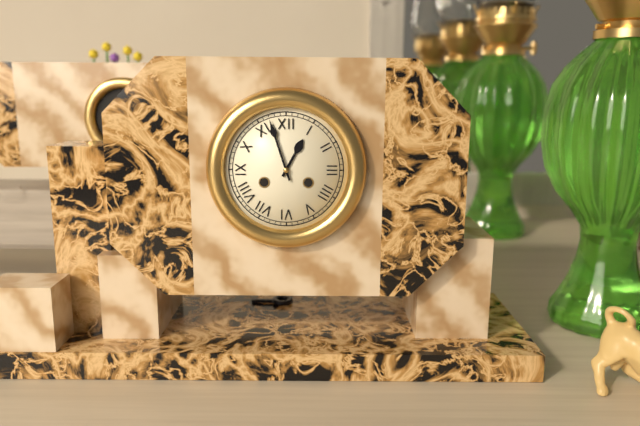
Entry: h=12 m=57
